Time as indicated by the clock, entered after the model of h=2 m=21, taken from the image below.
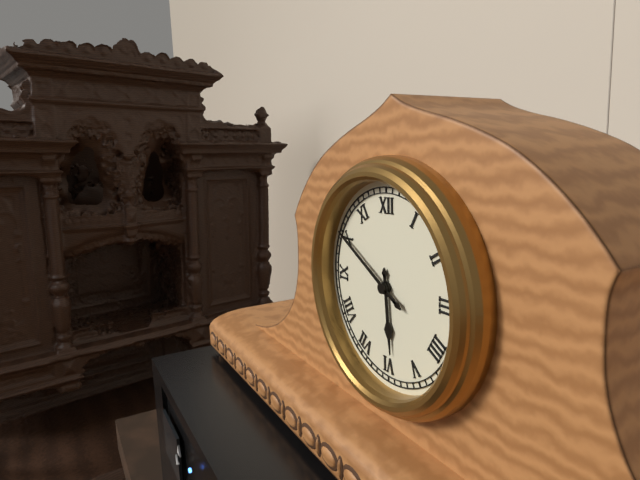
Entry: h=5 m=50
